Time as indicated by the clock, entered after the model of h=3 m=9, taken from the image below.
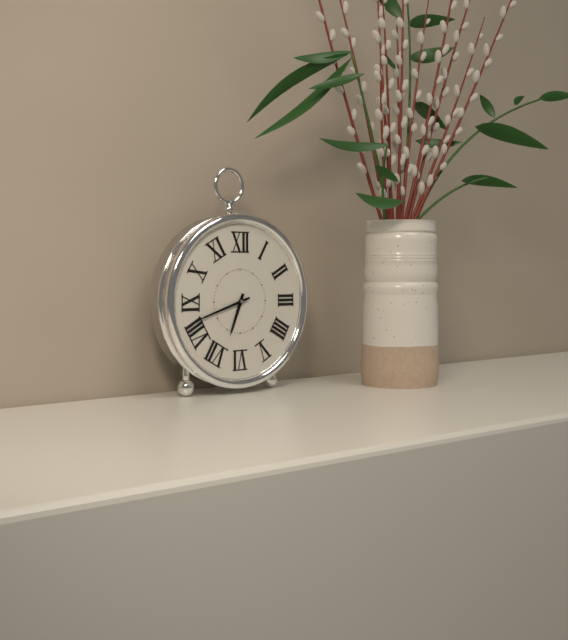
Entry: h=6 m=42
